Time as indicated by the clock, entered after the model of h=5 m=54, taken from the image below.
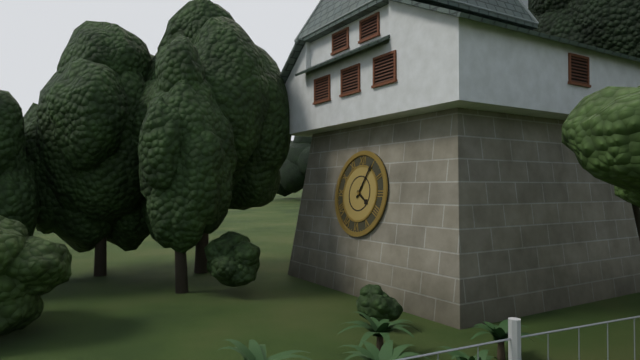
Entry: h=4 m=5
